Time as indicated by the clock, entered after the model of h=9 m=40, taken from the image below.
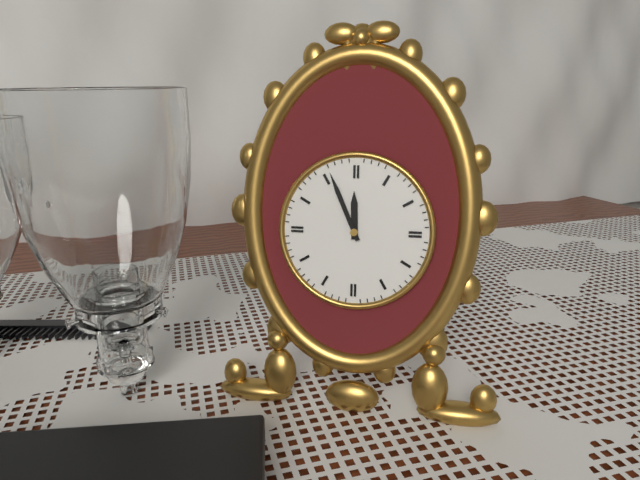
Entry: h=11 m=56
